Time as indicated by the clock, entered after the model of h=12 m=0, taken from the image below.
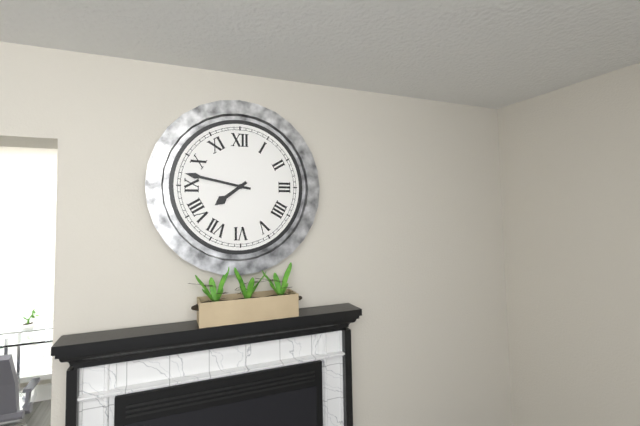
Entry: h=7 m=47
